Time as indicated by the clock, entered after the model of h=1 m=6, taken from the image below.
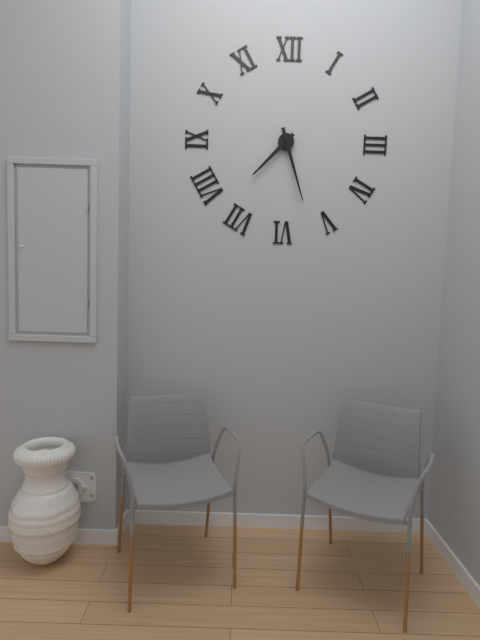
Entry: h=7 m=27
